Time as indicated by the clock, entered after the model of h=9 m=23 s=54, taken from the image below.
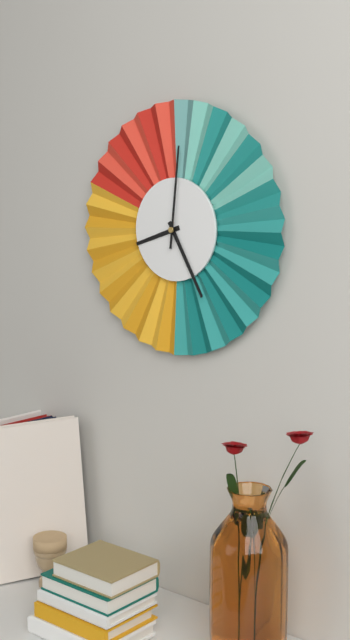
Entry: h=8 m=25 s=1
